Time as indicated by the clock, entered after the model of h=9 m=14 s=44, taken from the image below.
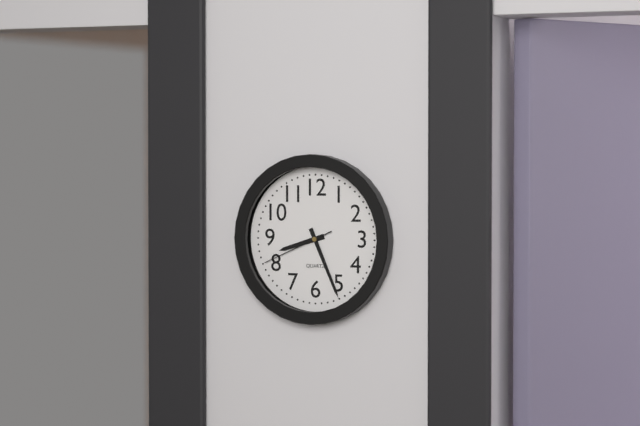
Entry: h=8 m=26 s=41
